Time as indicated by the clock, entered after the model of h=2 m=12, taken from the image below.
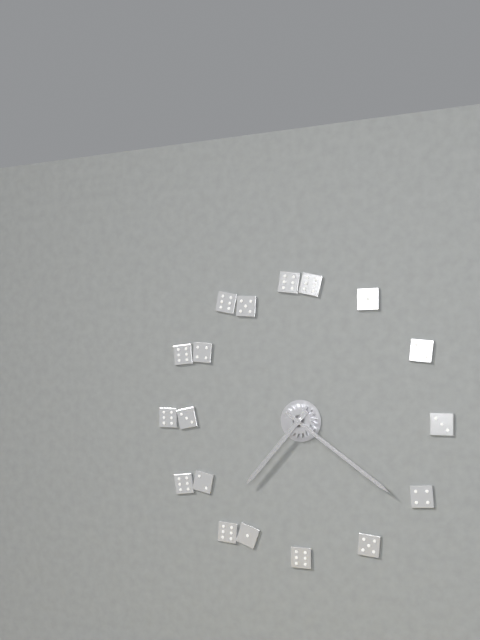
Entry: h=7 m=21
